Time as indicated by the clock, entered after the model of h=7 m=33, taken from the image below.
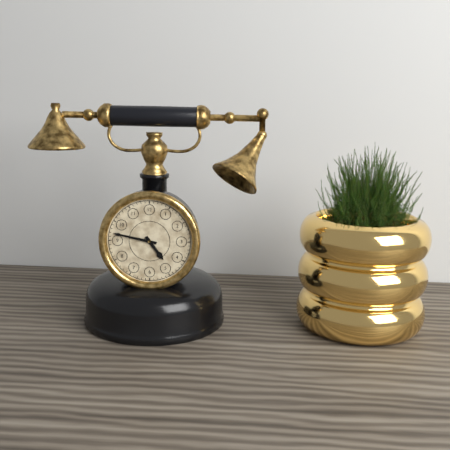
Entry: h=4 m=47
